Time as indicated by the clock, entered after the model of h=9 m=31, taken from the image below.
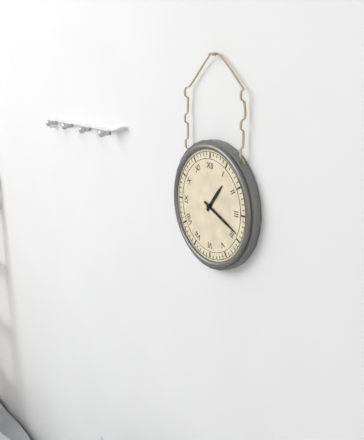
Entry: h=1 m=19
